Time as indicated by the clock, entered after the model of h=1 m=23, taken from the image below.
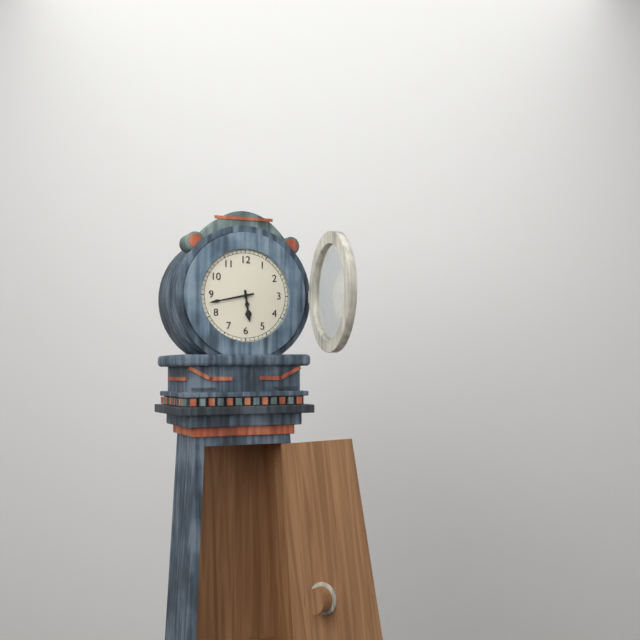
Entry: h=5 m=43
